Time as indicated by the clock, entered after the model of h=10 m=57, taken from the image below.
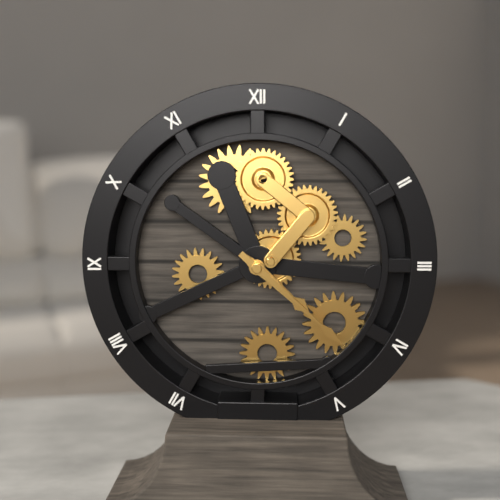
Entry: h=4 m=22
